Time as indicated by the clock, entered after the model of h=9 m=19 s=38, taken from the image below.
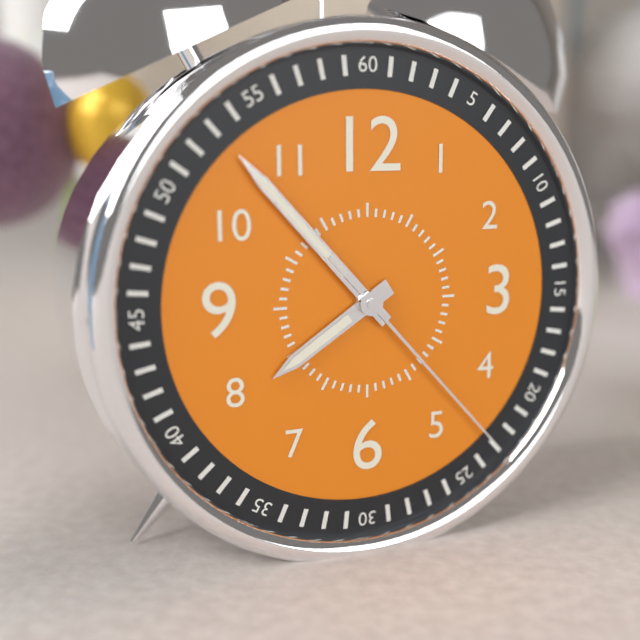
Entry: h=7 m=53 s=23
